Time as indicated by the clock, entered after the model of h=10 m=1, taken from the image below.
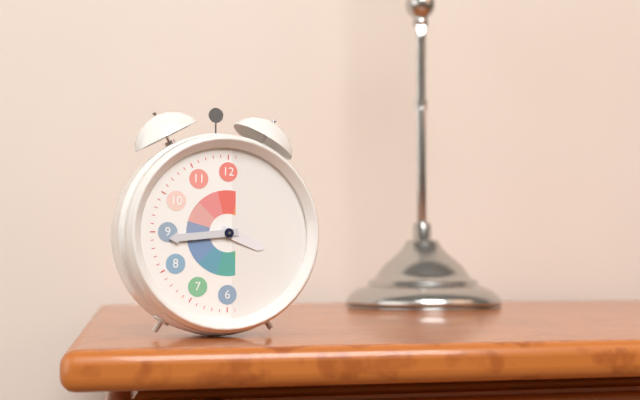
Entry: h=3 m=44
